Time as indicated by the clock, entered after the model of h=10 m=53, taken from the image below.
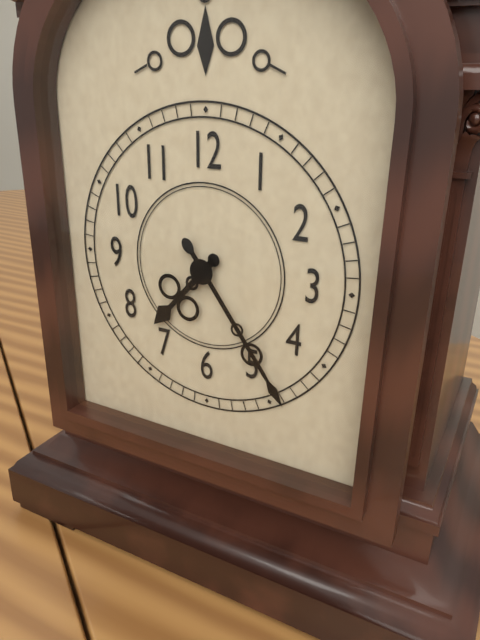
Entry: h=7 m=24
